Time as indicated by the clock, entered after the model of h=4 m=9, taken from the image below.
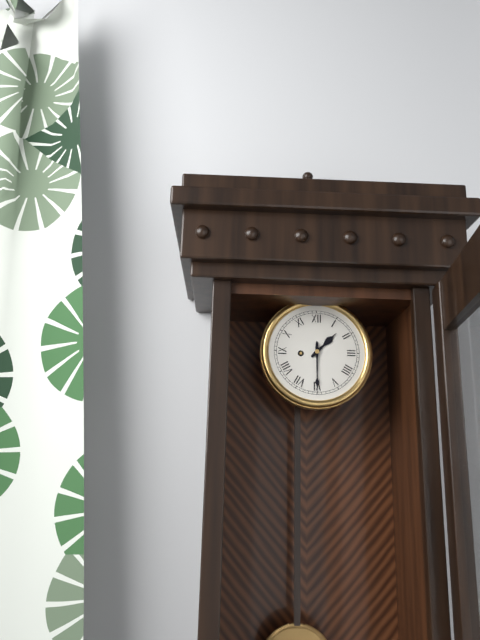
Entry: h=1 m=30
